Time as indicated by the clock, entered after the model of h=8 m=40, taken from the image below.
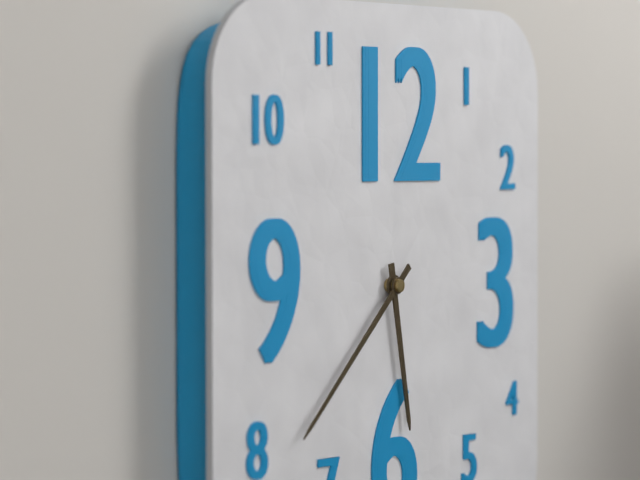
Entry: h=5 m=38
